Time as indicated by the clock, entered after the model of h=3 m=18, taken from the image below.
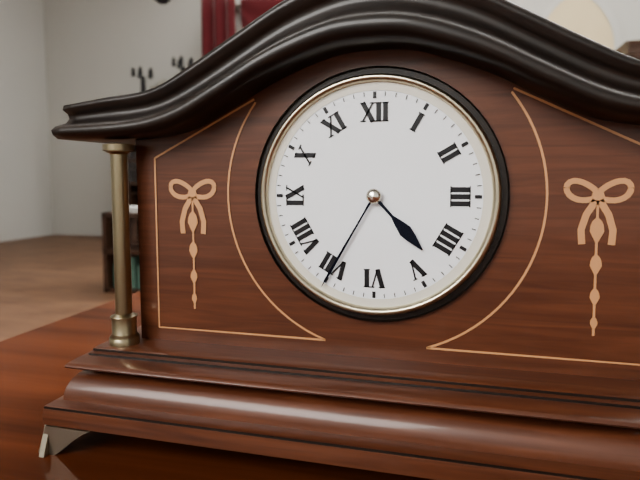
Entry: h=4 m=35
